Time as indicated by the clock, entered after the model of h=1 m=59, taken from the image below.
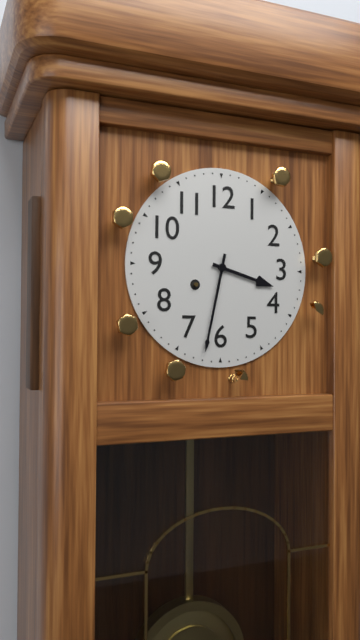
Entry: h=3 m=32
